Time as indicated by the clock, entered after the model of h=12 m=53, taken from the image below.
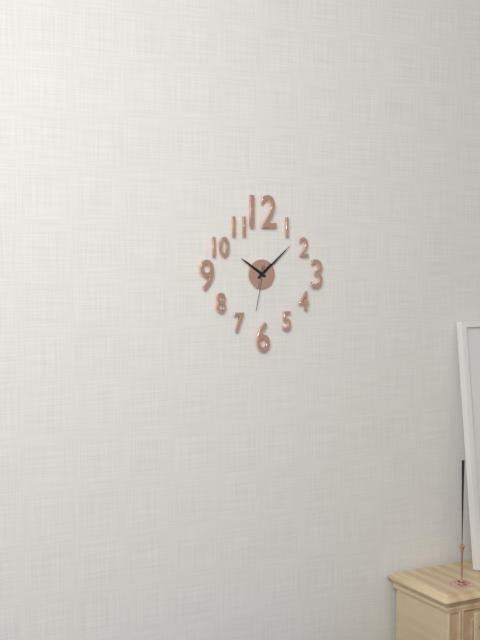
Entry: h=10 m=8
